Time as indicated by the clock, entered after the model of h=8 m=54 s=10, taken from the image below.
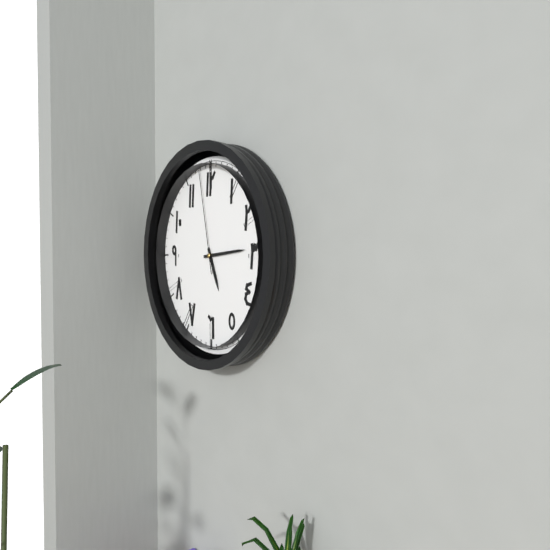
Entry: h=5 m=14 s=58
